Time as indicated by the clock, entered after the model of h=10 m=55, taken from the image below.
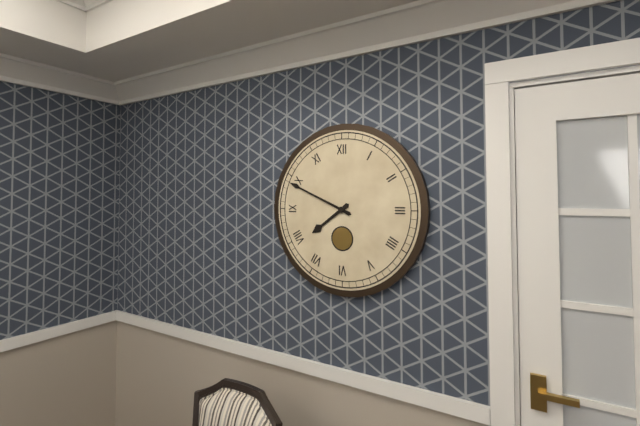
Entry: h=7 m=49
